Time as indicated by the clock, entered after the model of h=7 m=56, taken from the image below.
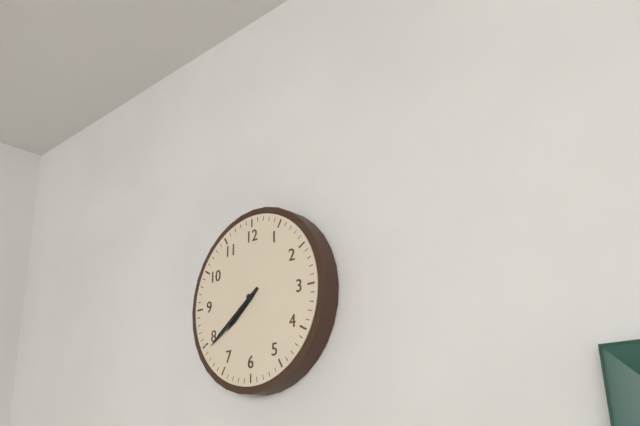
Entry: h=7 m=39
